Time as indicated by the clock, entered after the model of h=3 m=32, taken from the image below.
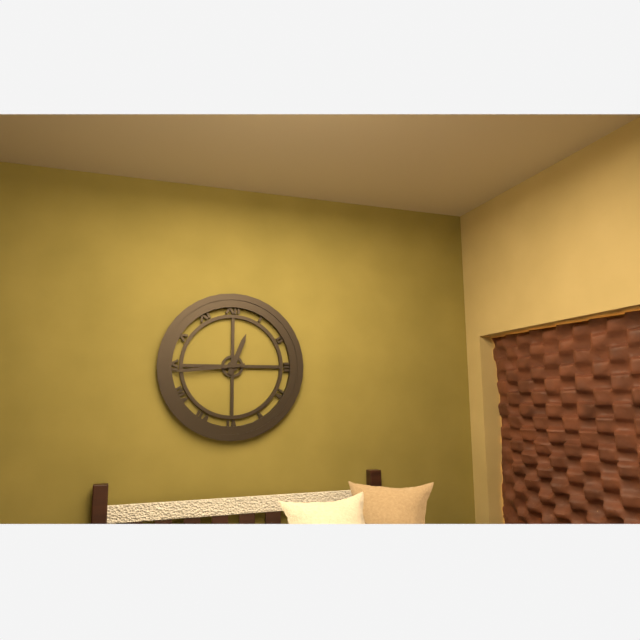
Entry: h=12 m=44
